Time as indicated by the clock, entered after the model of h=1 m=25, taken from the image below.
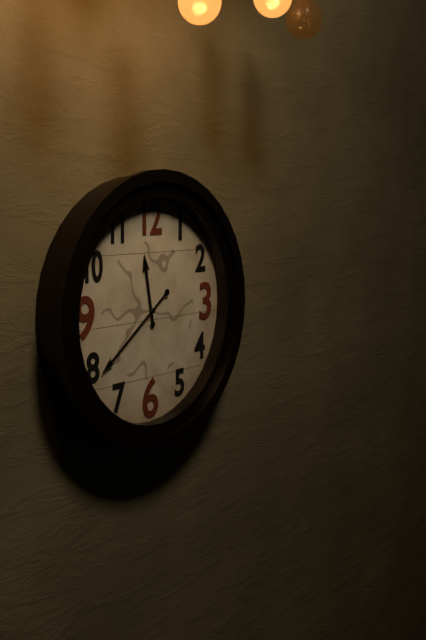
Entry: h=11 m=39
